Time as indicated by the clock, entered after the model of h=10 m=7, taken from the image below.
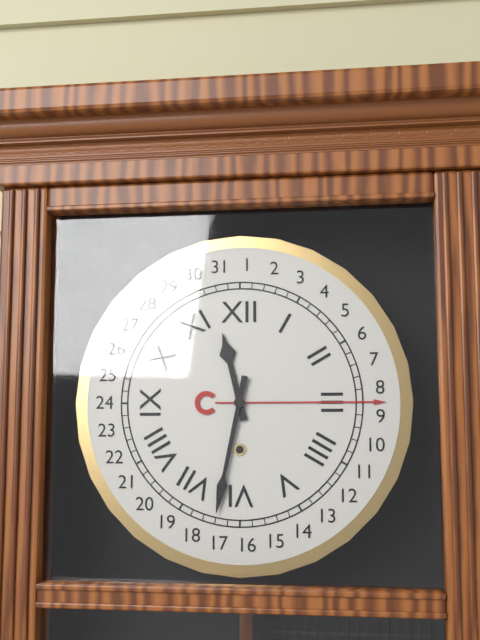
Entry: h=11 m=32
